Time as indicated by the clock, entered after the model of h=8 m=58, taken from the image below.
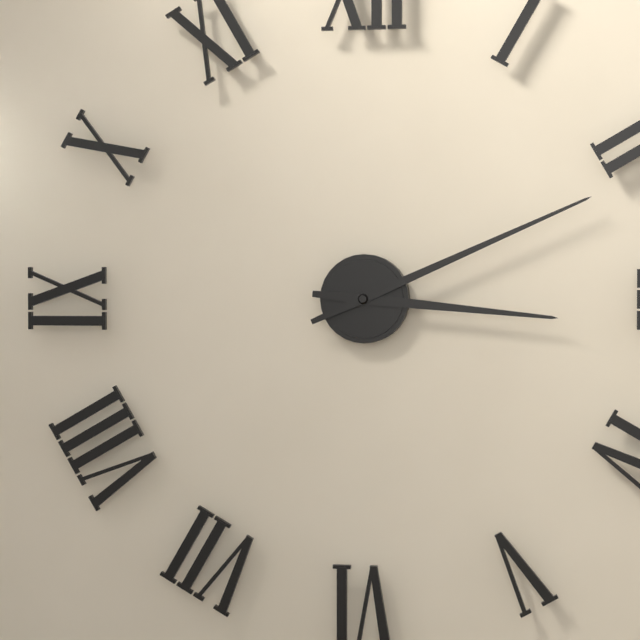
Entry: h=3 m=11
